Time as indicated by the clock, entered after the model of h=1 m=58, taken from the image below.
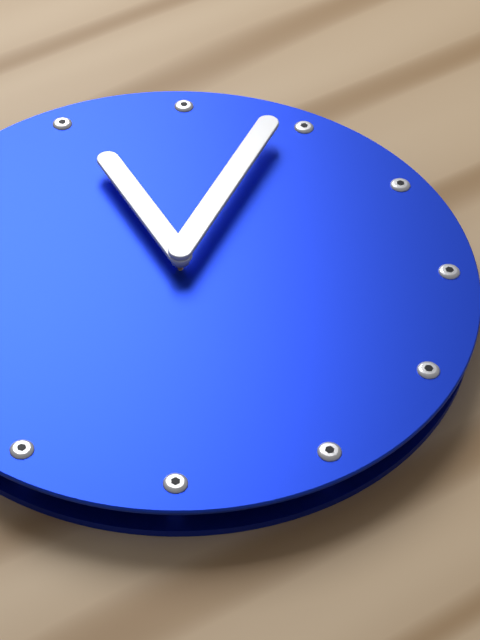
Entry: h=11 m=4
